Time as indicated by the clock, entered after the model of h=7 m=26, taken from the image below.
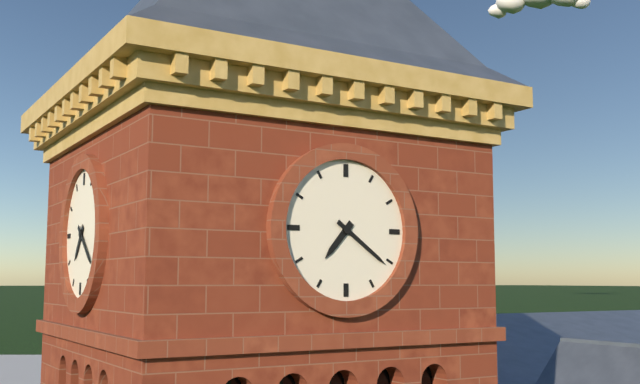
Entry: h=7 m=21
